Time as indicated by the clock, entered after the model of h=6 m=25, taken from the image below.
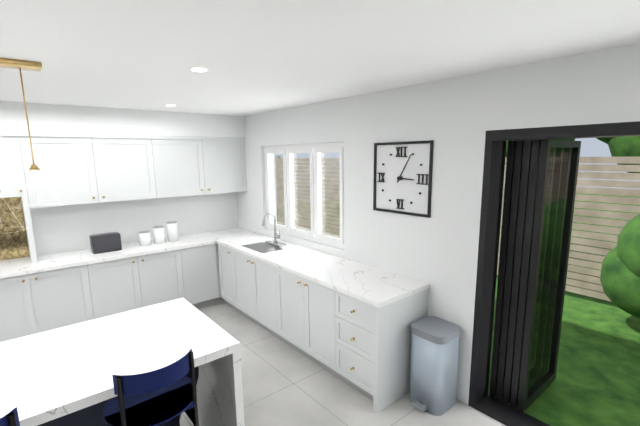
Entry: h=3 m=5
